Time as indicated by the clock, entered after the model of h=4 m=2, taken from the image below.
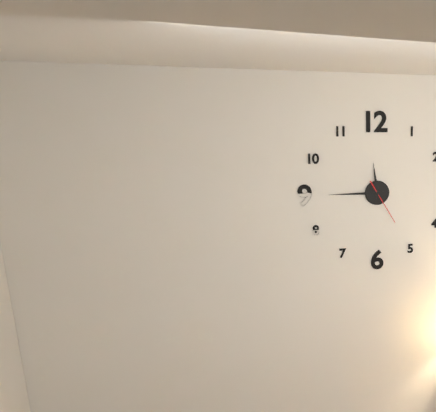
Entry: h=11 m=45
